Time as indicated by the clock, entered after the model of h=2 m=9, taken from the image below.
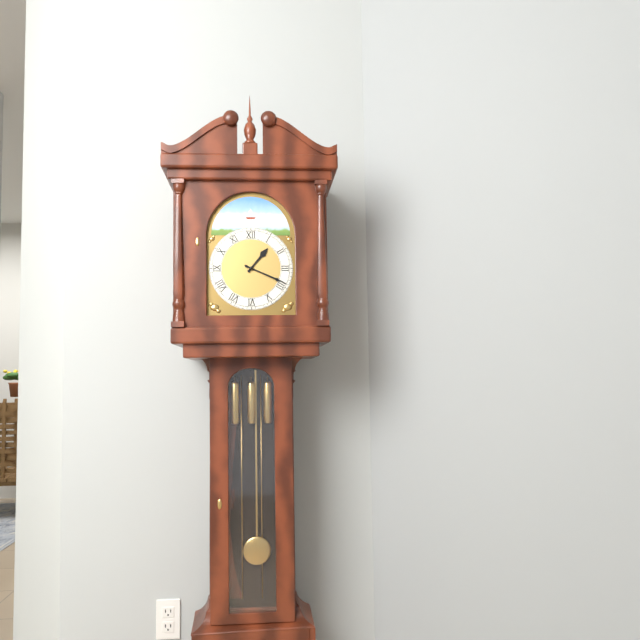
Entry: h=1 m=19
